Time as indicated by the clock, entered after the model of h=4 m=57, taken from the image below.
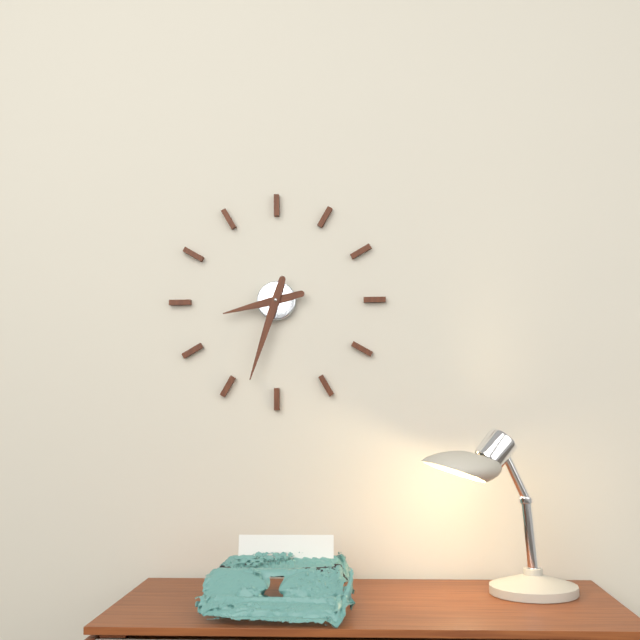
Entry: h=8 m=33
